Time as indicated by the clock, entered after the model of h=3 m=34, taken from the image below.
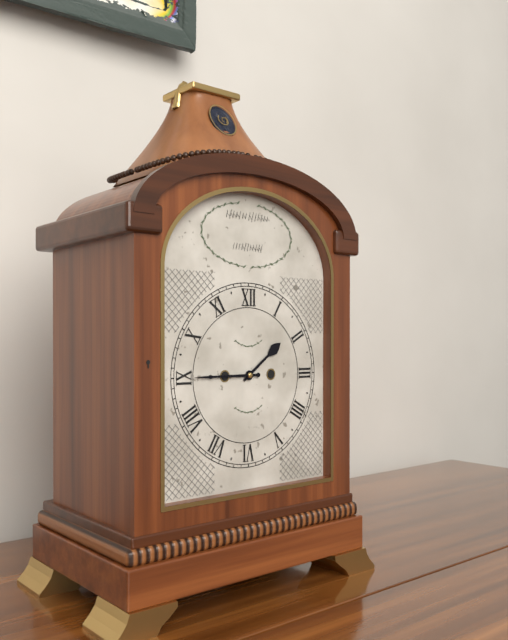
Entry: h=1 m=45
